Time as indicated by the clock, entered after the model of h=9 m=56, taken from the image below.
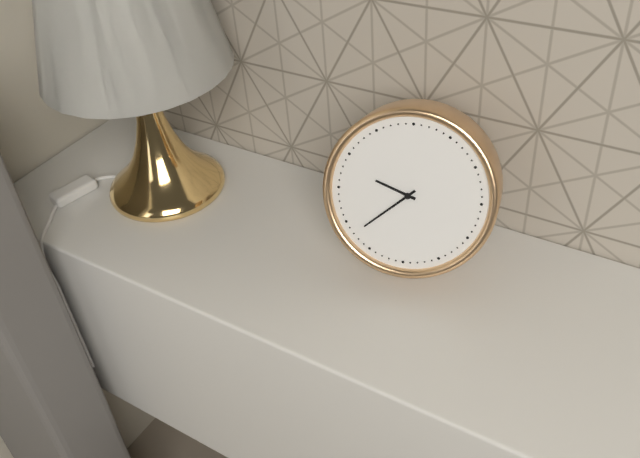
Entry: h=9 m=38
